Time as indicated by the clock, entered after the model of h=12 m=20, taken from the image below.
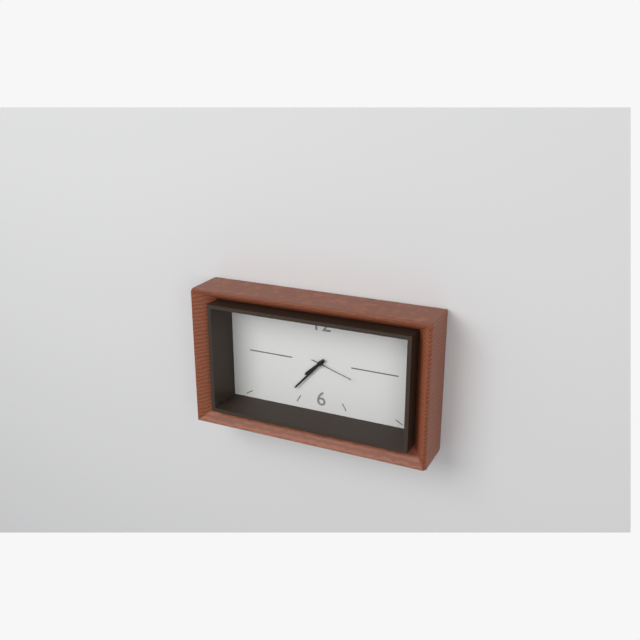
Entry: h=7 m=37
